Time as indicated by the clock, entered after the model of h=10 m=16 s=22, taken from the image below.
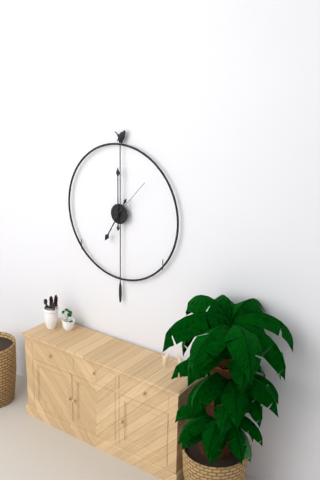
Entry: h=7 m=0 s=7
